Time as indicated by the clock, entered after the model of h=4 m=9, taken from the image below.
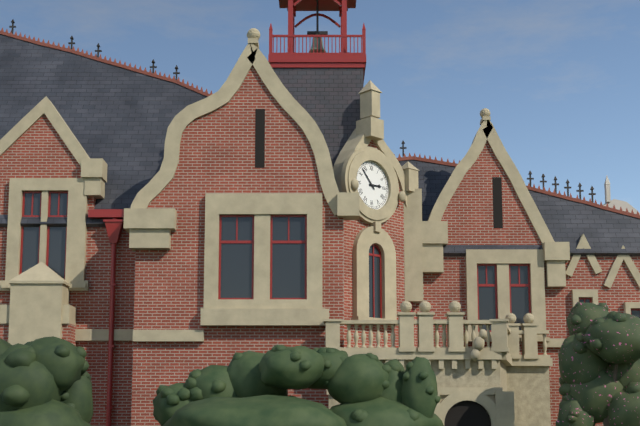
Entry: h=2 m=53
